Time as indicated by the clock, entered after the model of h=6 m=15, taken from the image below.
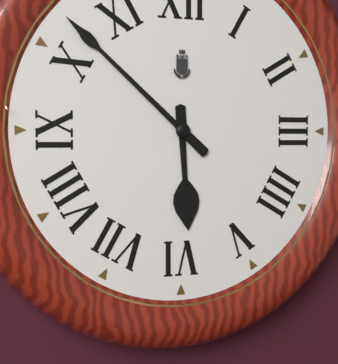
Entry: h=5 m=52
